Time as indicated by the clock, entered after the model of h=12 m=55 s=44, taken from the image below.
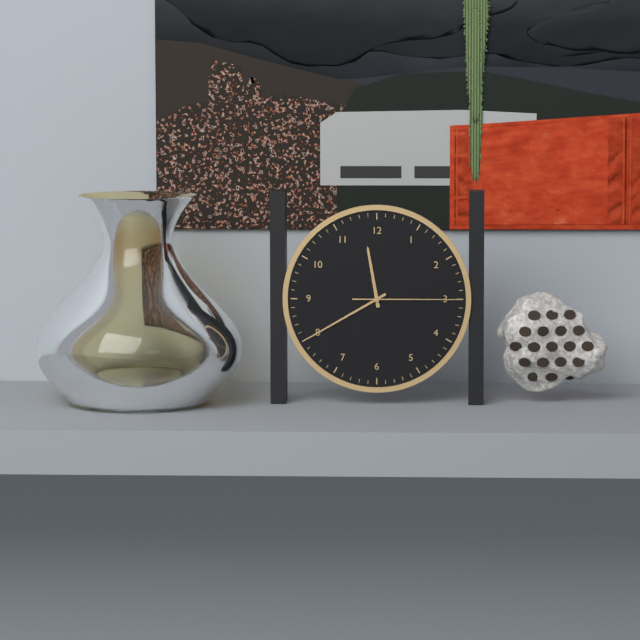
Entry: h=11 m=40 s=15
